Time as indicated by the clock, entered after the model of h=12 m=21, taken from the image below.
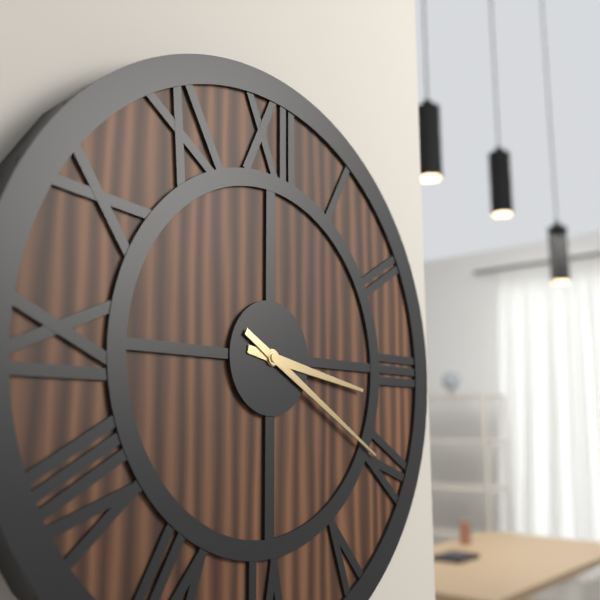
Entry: h=3 m=20
